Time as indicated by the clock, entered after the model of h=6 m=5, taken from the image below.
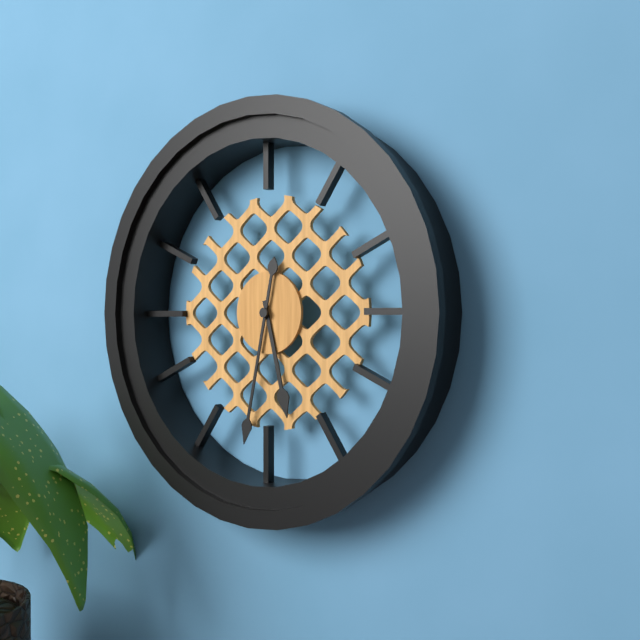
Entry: h=5 m=32
